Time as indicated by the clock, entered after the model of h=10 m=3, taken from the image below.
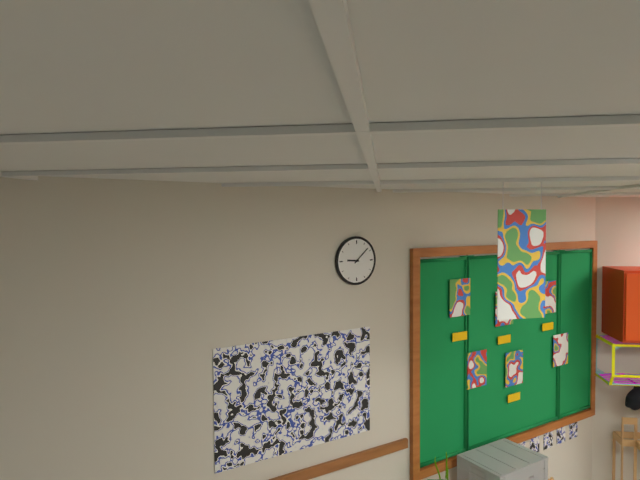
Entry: h=9 m=8
